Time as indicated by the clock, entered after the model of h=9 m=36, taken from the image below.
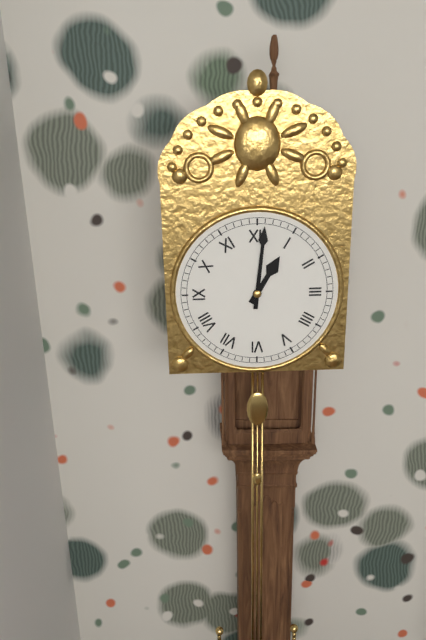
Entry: h=1 m=1
